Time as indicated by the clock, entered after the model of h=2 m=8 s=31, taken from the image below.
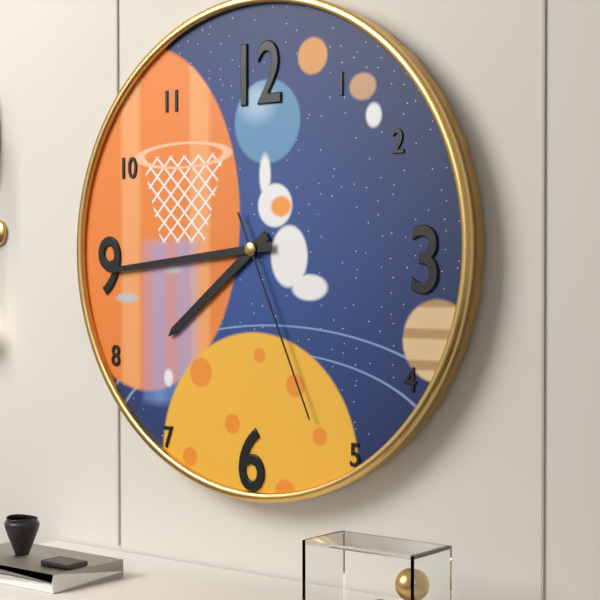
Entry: h=7 m=44 s=26
